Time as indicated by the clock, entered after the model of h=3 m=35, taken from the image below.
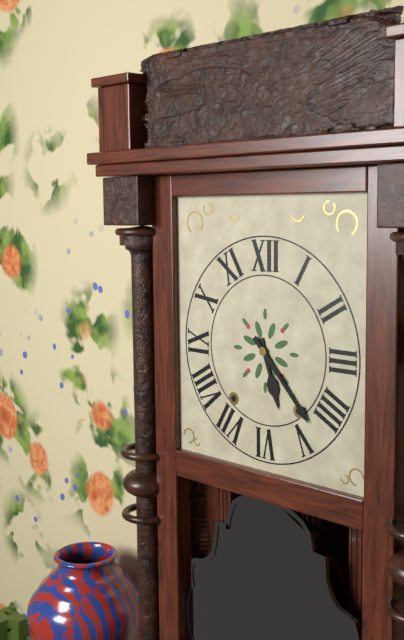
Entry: h=5 m=23
